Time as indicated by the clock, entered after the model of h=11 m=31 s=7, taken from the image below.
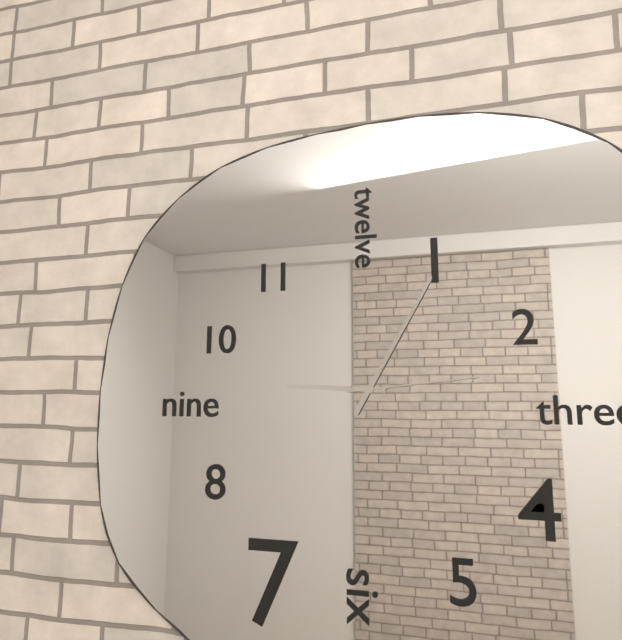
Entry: h=9 m=5 s=14
